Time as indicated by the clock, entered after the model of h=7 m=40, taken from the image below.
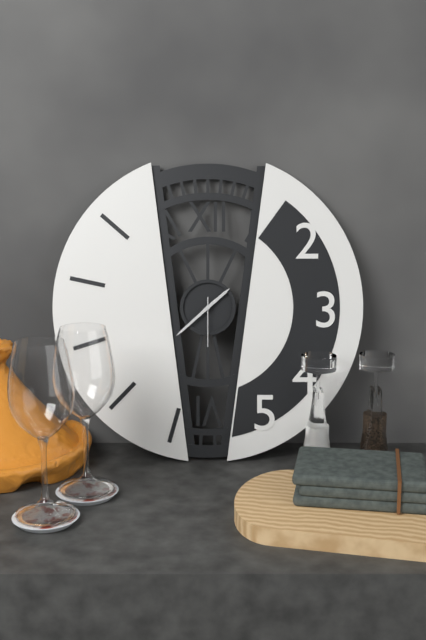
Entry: h=1 m=38
